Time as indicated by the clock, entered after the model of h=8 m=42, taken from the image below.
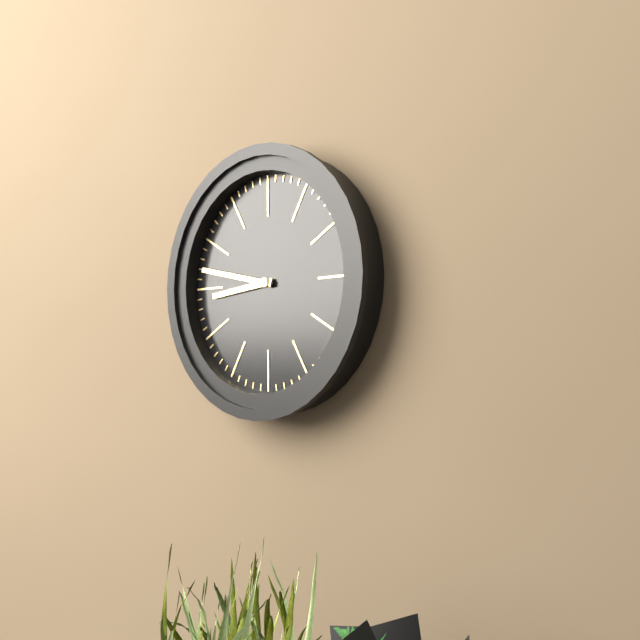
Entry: h=8 m=47
